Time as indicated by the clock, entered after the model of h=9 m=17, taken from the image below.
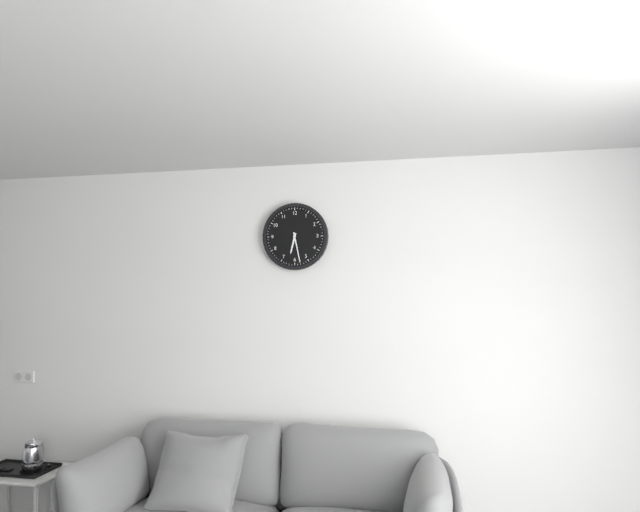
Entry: h=6 m=28
